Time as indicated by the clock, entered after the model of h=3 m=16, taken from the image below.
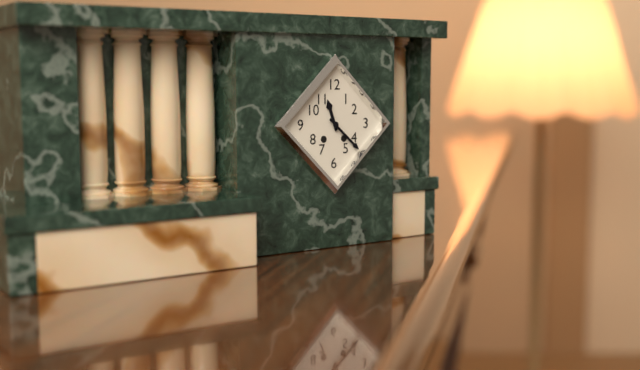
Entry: h=11 m=22
